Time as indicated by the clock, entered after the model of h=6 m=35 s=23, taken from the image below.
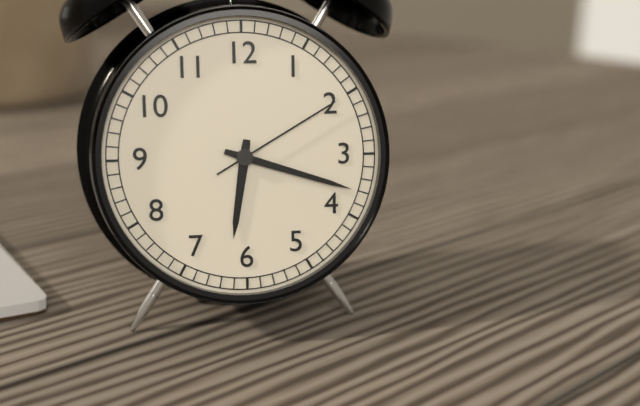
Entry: h=6 m=18 s=10
